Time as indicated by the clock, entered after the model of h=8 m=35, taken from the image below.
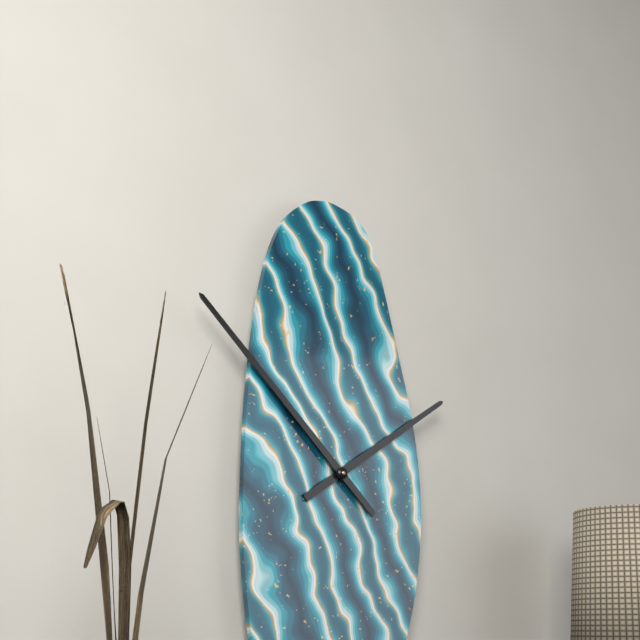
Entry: h=1 m=52
